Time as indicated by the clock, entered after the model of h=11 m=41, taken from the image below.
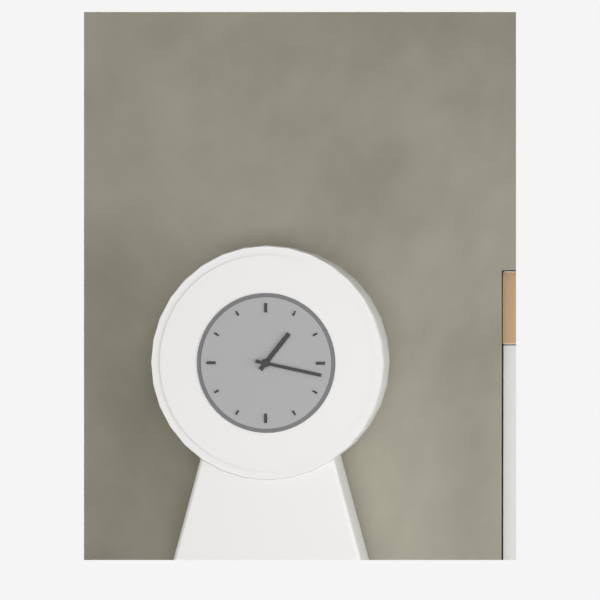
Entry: h=1 m=17
